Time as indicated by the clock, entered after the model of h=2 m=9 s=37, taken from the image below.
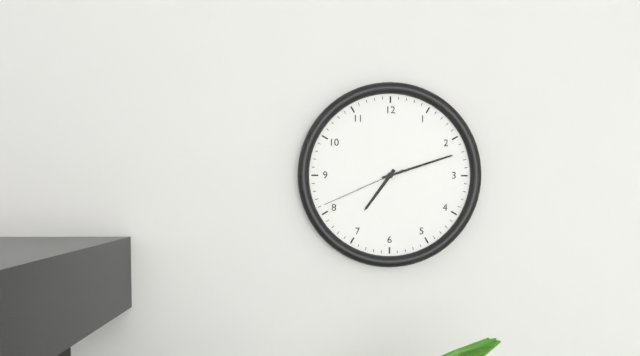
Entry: h=7 m=12 s=41
